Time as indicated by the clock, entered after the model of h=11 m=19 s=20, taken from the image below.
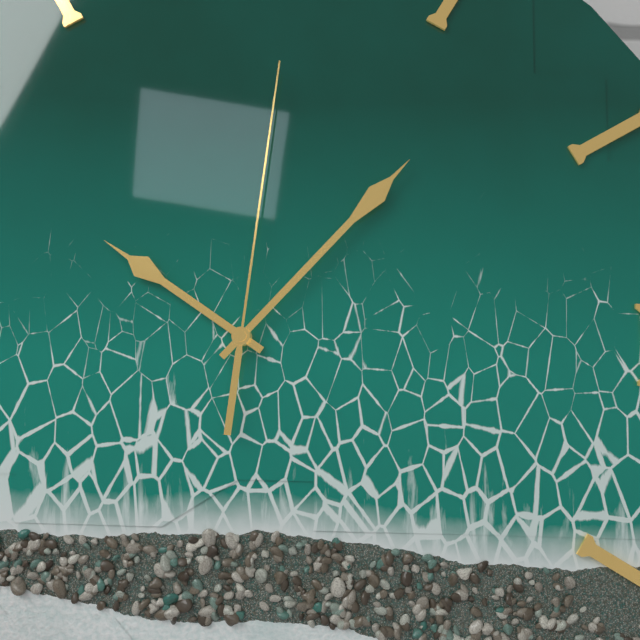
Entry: h=10 m=7 s=1
